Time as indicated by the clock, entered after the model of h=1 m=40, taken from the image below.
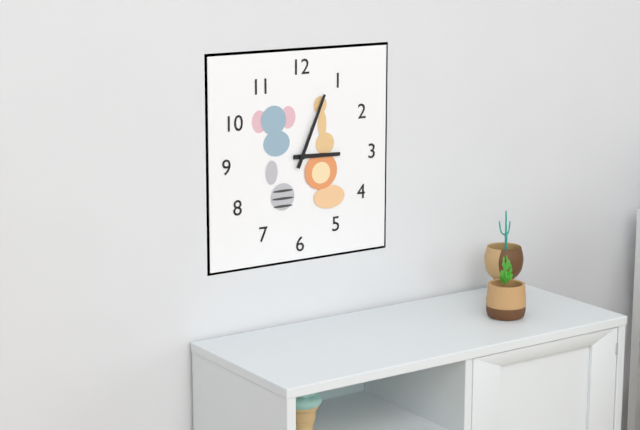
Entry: h=3 m=4
